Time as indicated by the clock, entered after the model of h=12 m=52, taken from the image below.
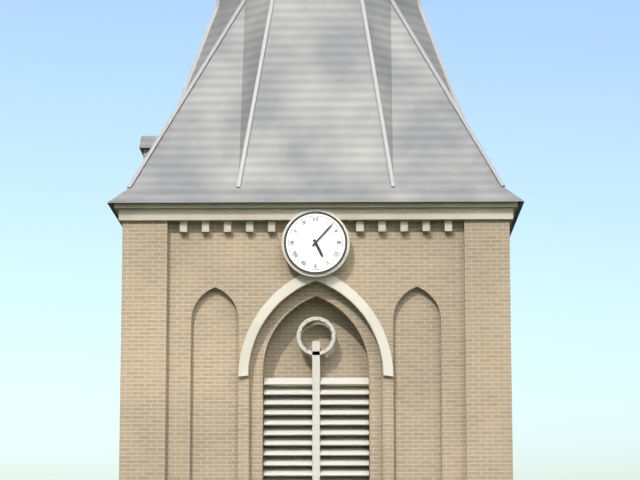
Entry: h=5 m=7
